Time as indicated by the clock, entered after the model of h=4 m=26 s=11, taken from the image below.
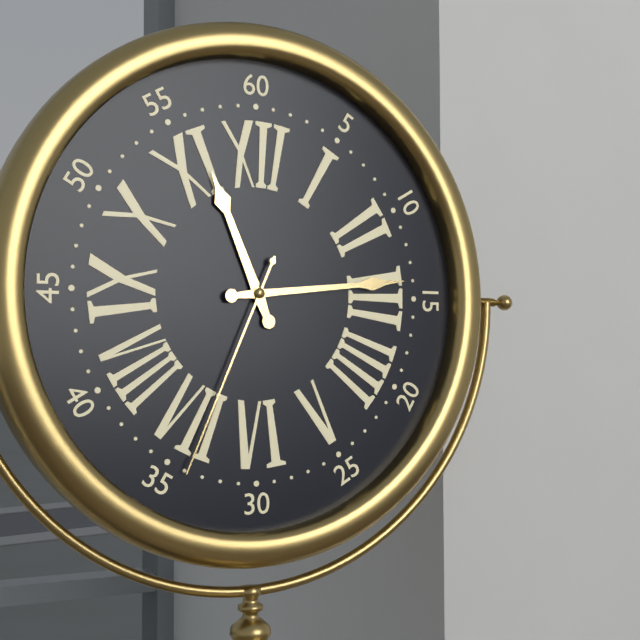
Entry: h=11 m=14 s=34
